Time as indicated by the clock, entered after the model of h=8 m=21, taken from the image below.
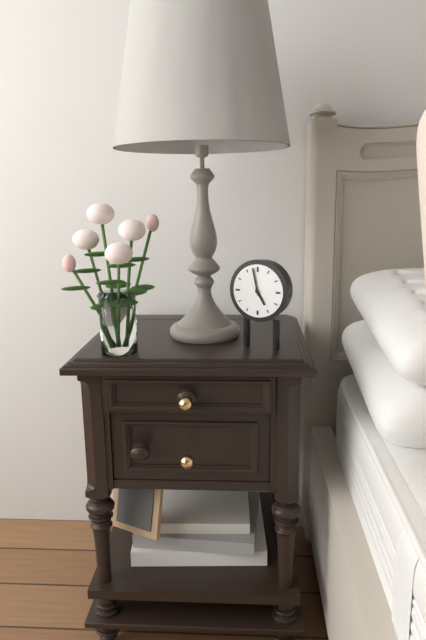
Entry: h=4 m=58
